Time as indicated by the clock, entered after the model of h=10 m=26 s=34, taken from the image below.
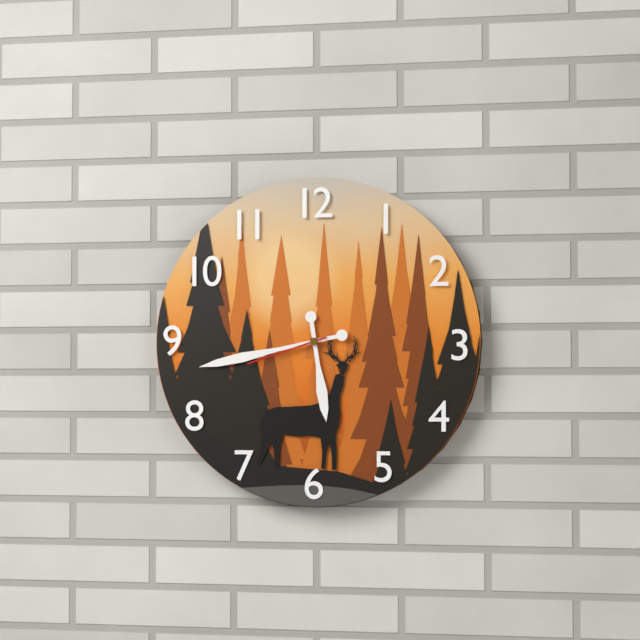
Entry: h=5 m=43 s=42
